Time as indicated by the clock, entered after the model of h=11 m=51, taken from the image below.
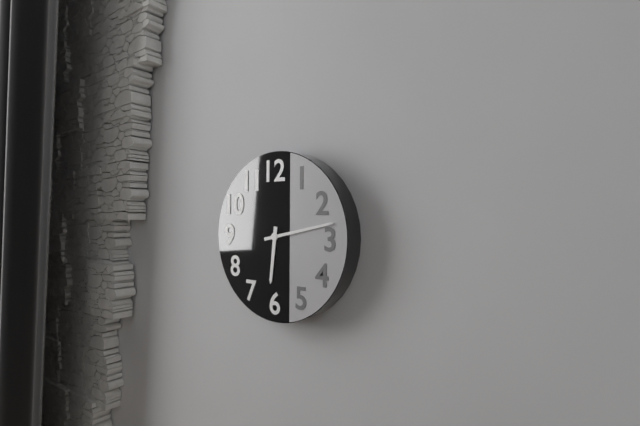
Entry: h=6 m=13
